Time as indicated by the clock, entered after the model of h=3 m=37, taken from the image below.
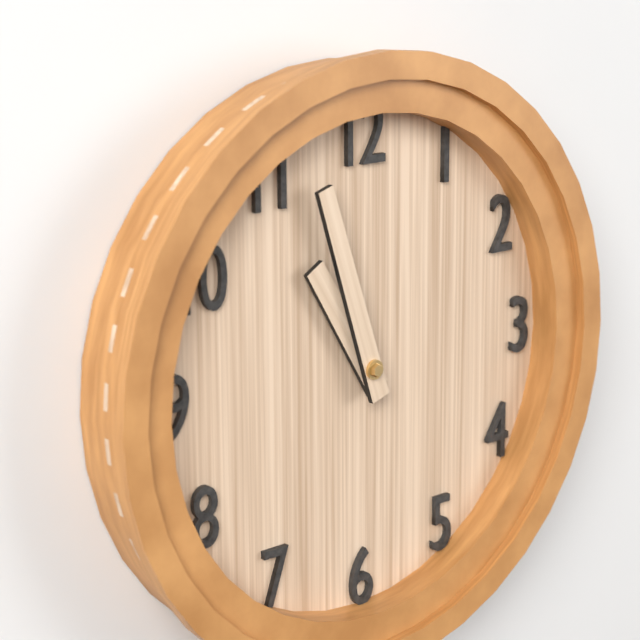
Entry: h=10 m=57
